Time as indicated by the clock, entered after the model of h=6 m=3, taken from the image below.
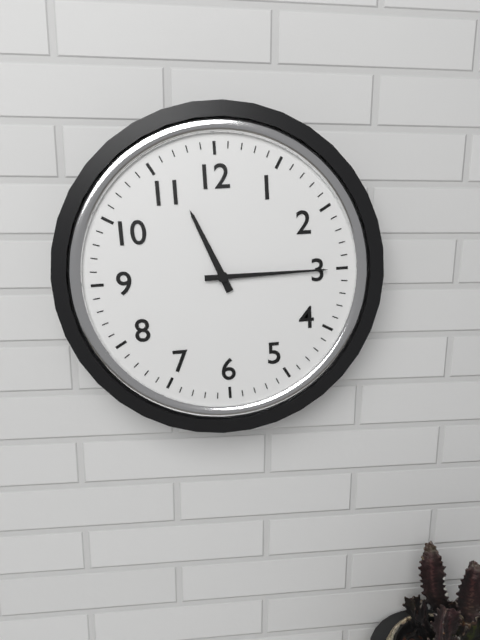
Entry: h=11 m=15
